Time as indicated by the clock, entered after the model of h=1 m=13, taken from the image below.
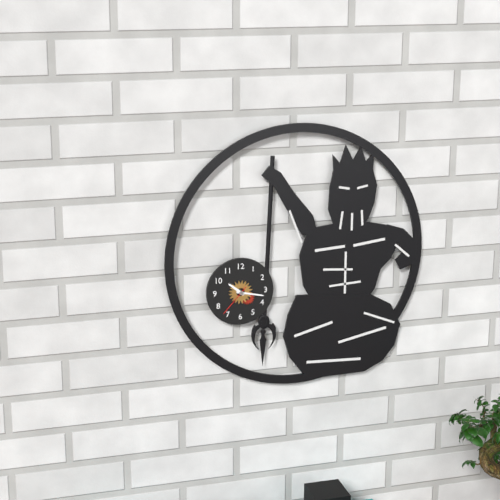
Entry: h=10 m=17
